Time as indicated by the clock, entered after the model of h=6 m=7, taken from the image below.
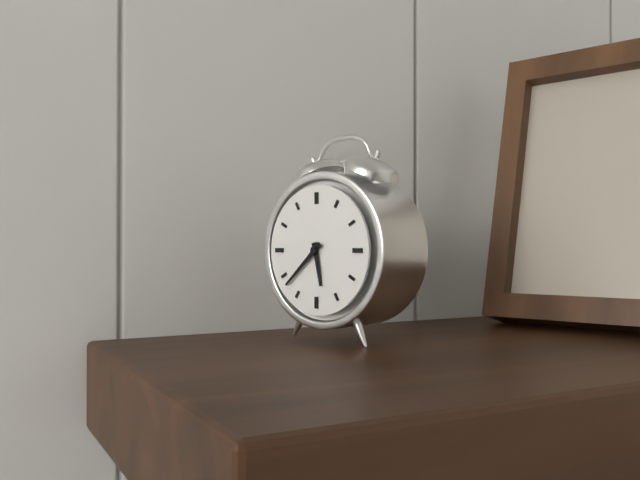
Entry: h=5 m=38
